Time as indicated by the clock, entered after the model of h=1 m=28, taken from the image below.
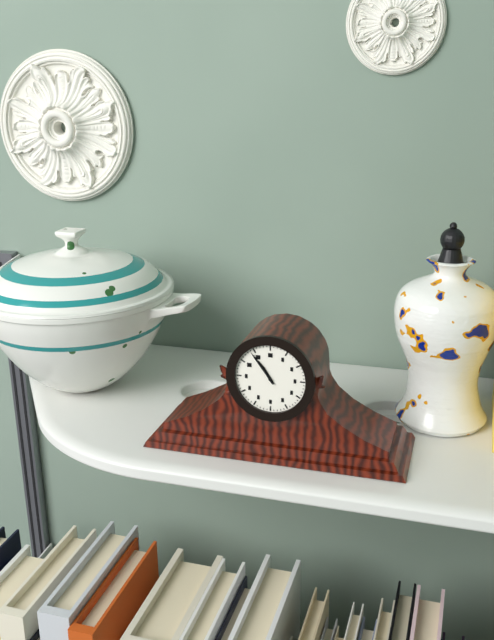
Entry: h=10 m=54
